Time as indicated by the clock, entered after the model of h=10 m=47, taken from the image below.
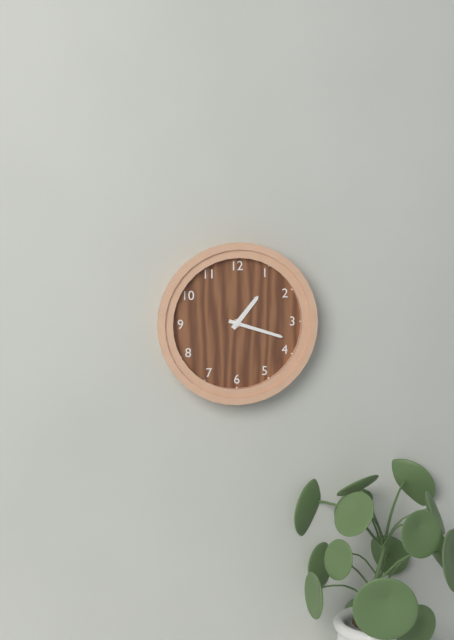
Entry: h=1 m=18
